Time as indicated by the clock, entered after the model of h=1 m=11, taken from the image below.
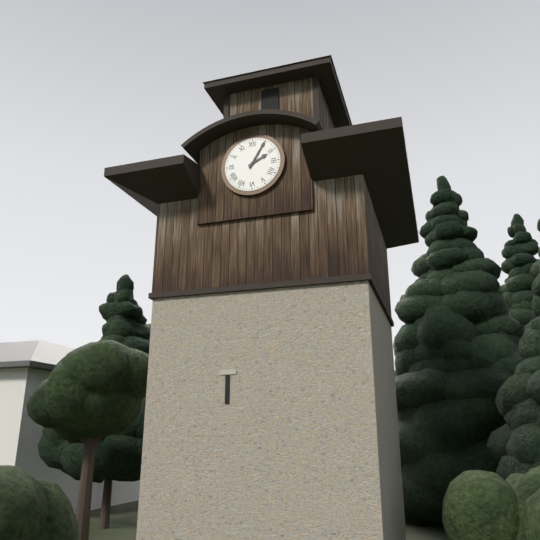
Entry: h=2 m=5
